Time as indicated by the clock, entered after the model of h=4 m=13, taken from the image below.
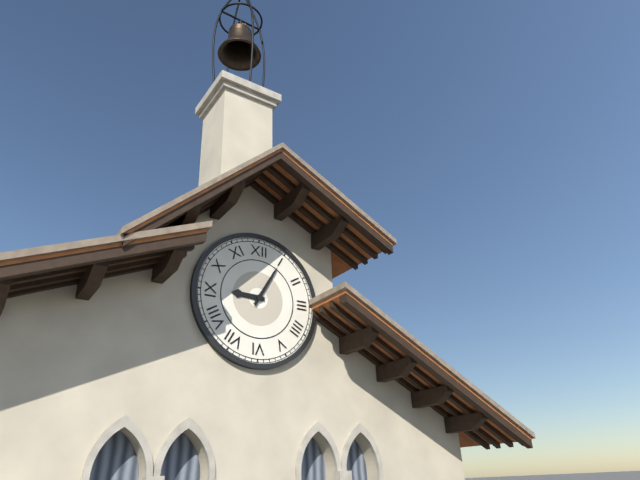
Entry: h=9 m=5
